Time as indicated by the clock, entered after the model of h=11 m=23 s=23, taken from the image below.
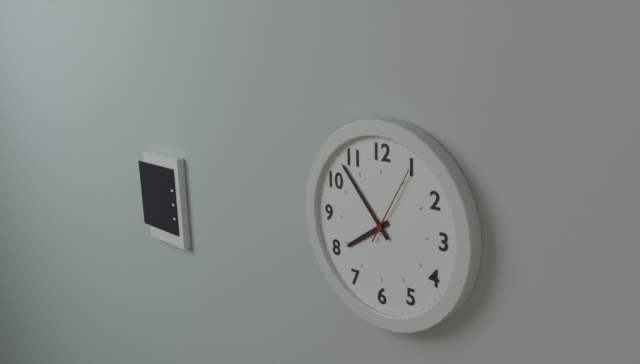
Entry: h=7 m=53 s=5
